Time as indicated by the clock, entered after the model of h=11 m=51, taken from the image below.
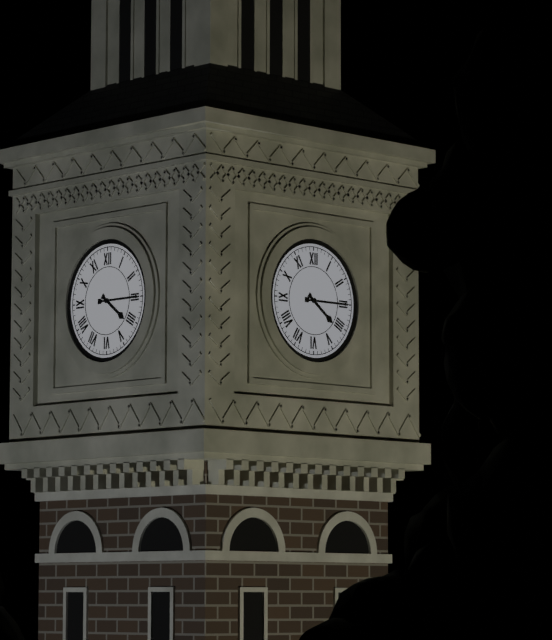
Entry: h=4 m=15
